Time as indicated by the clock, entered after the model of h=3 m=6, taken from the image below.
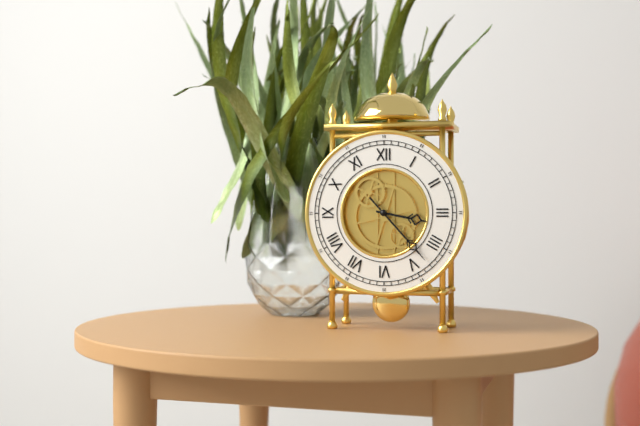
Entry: h=3 m=23
